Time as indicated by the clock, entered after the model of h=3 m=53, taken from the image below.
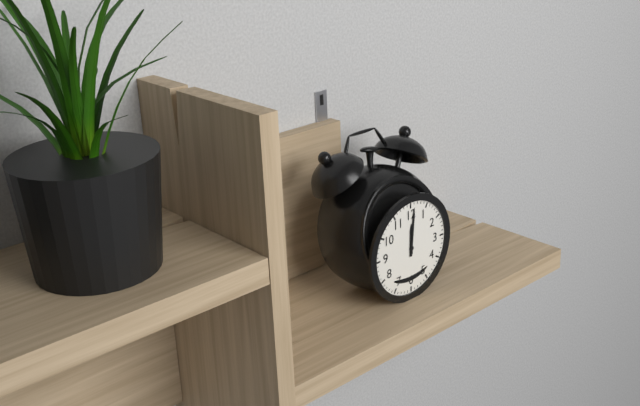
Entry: h=12 m=1
